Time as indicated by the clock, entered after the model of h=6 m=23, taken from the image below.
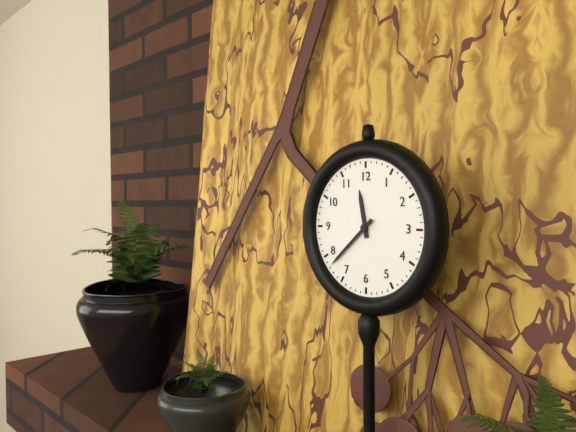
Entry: h=11 m=38
